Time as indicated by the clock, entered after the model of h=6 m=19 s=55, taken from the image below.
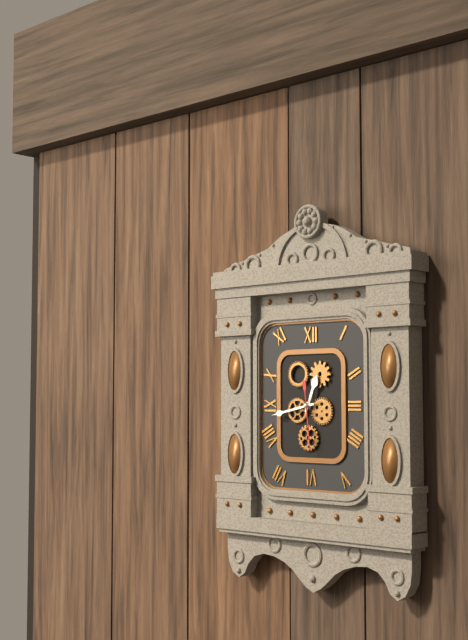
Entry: h=12 m=43 s=29
